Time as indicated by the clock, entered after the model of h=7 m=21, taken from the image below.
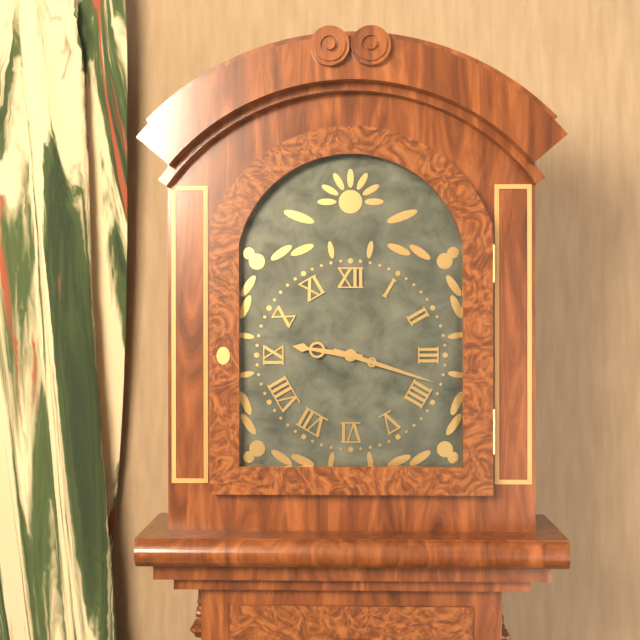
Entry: h=9 m=18
